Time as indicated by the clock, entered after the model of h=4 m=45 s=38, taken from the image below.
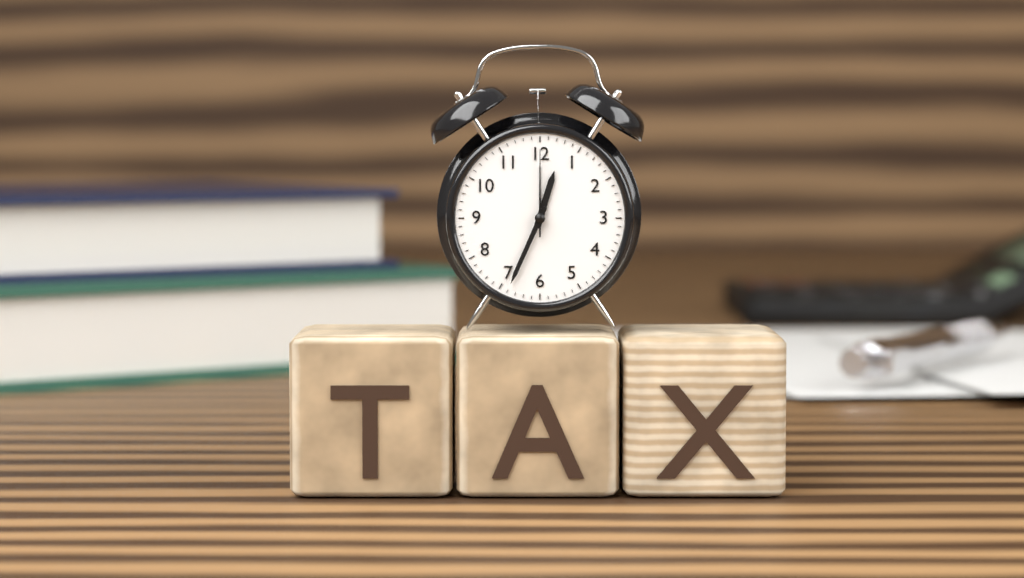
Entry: h=12 m=34 s=0
